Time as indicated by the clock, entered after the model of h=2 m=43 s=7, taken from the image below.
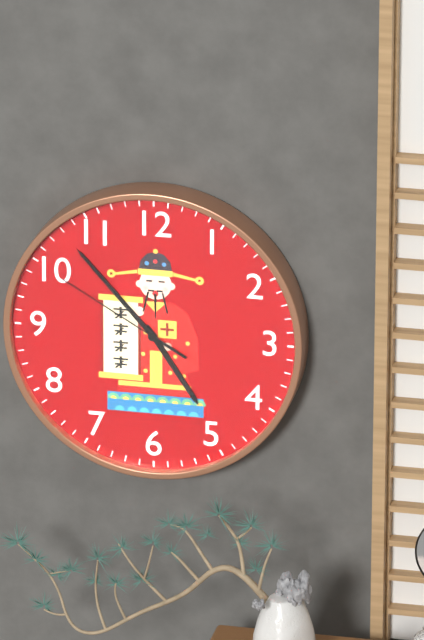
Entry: h=4 m=53 s=50
